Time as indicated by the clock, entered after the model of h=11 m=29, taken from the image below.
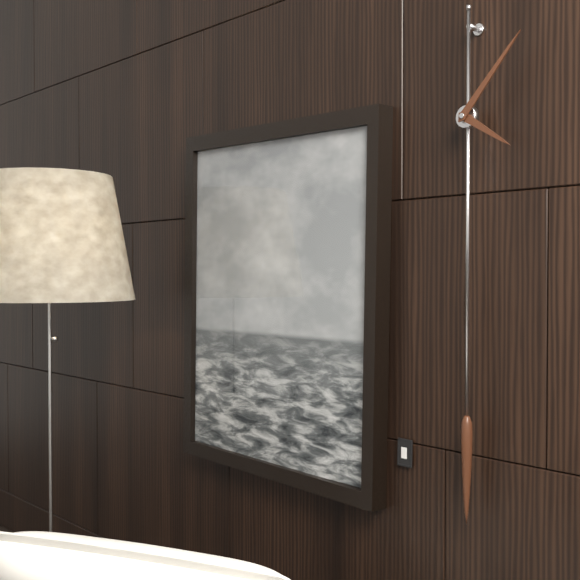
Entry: h=4 m=7
